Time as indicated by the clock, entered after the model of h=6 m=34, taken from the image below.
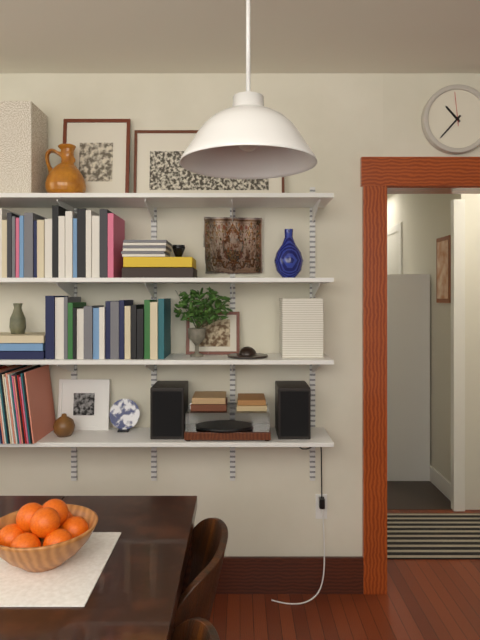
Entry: h=10 m=37
